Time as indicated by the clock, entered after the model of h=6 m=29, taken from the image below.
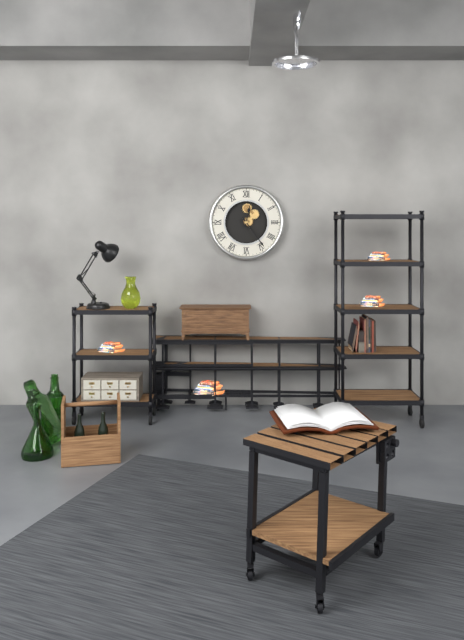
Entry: h=12 m=24
